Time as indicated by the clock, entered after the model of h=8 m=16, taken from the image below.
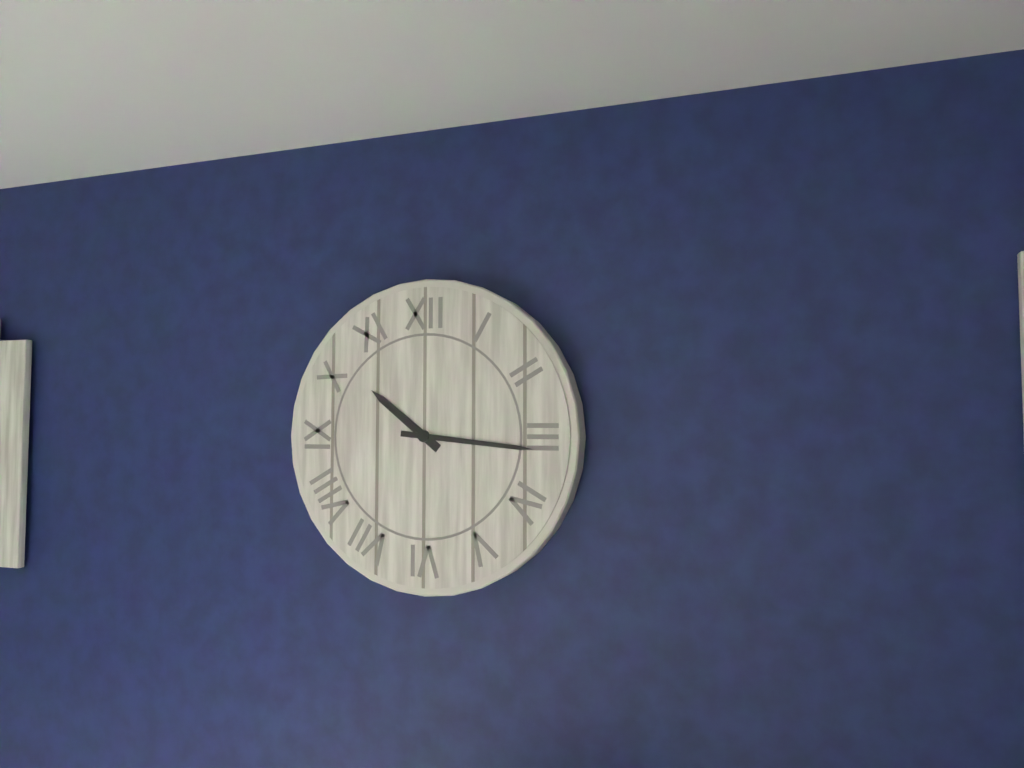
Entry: h=10 m=16
